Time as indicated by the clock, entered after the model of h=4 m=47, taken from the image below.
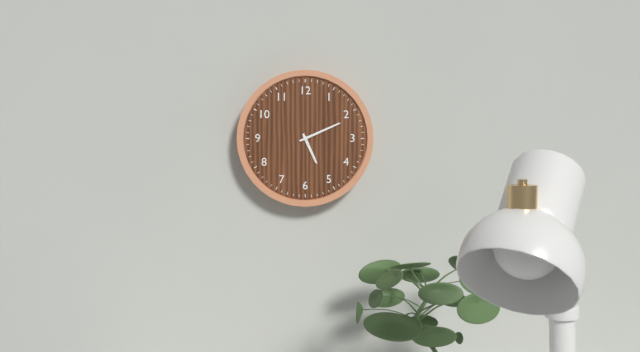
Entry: h=5 m=11
